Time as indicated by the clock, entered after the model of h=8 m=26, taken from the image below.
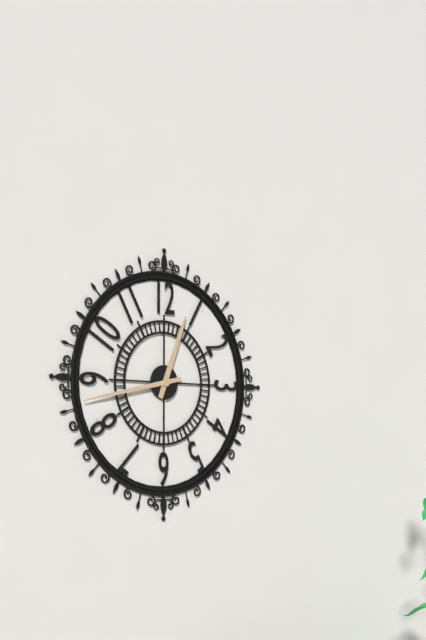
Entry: h=12 m=43
